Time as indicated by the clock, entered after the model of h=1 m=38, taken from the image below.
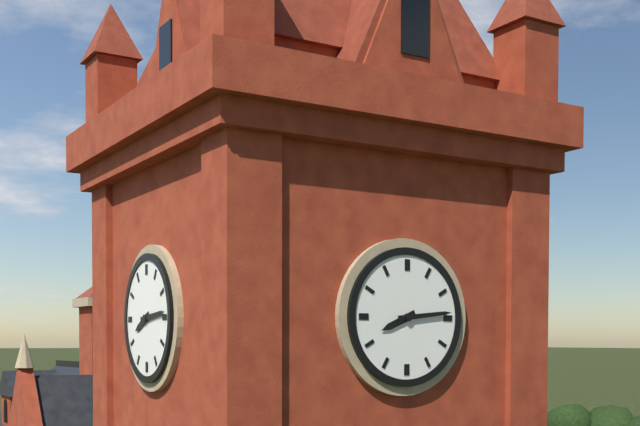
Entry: h=8 m=14
